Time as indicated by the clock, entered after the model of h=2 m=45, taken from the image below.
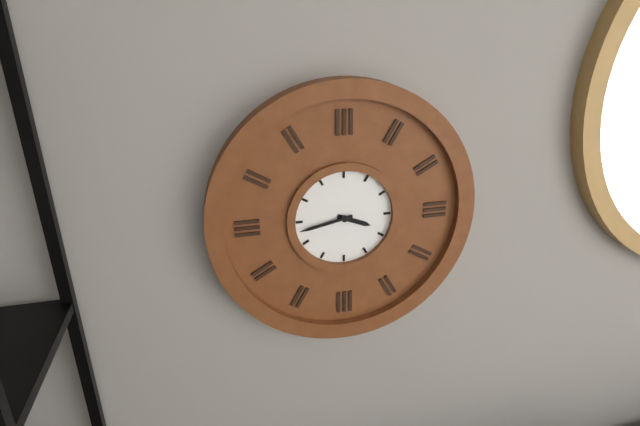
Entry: h=3 m=43
